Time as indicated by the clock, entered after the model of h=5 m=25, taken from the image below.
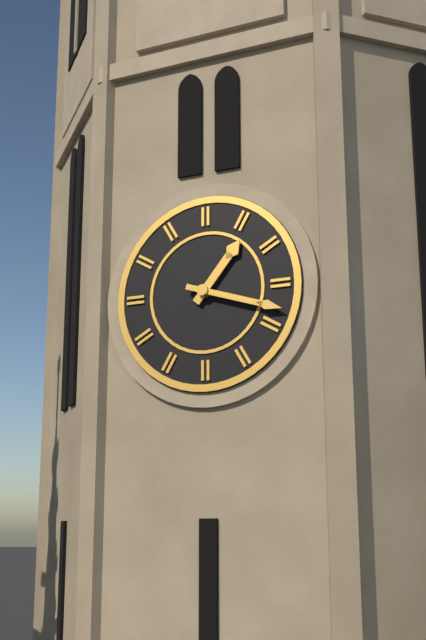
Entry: h=1 m=18
